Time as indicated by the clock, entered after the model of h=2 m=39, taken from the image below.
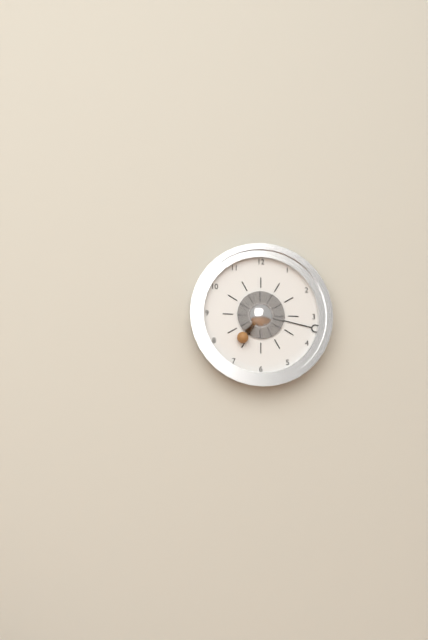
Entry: h=7 m=17
